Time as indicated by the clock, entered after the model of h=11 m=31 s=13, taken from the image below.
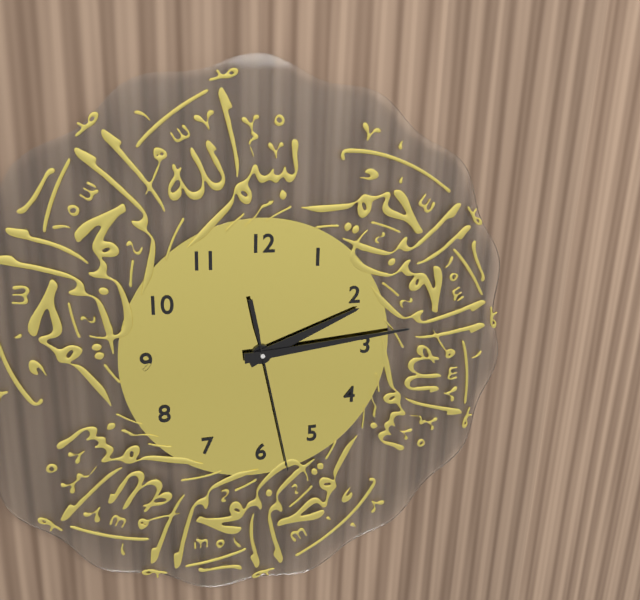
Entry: h=2 m=14 s=28
